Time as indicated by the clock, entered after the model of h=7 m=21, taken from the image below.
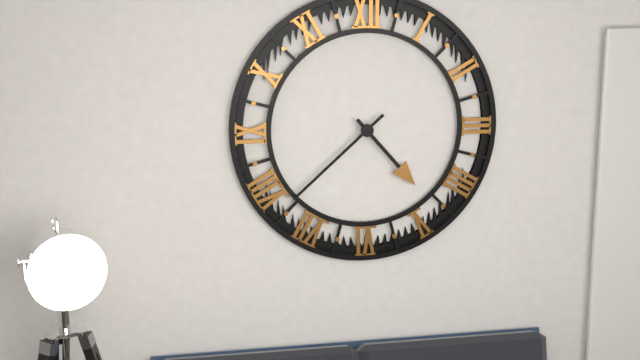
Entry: h=4 m=38
